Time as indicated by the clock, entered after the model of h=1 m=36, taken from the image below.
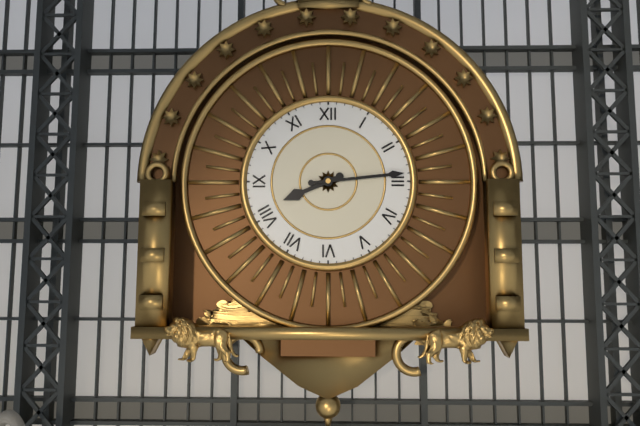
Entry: h=8 m=14
